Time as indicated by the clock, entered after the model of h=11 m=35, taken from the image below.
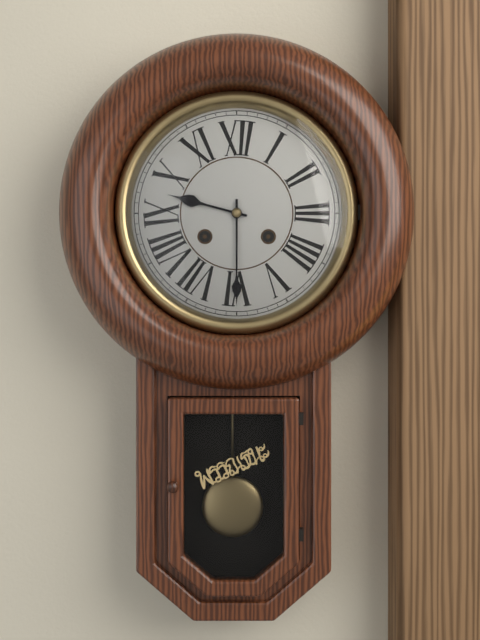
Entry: h=9 m=30
